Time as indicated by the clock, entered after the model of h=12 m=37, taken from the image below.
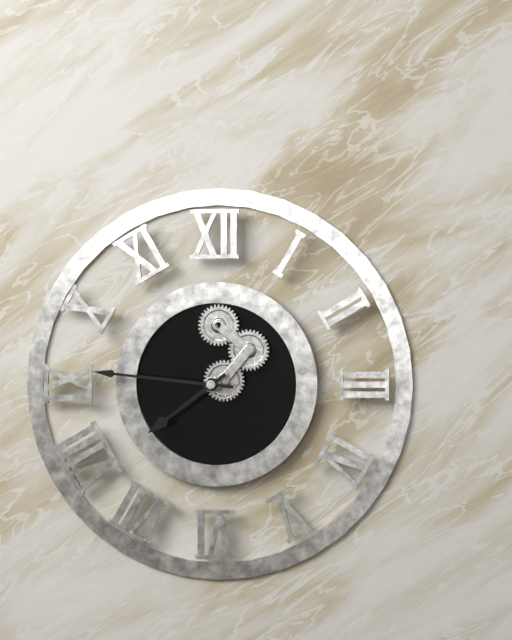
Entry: h=7 m=46
